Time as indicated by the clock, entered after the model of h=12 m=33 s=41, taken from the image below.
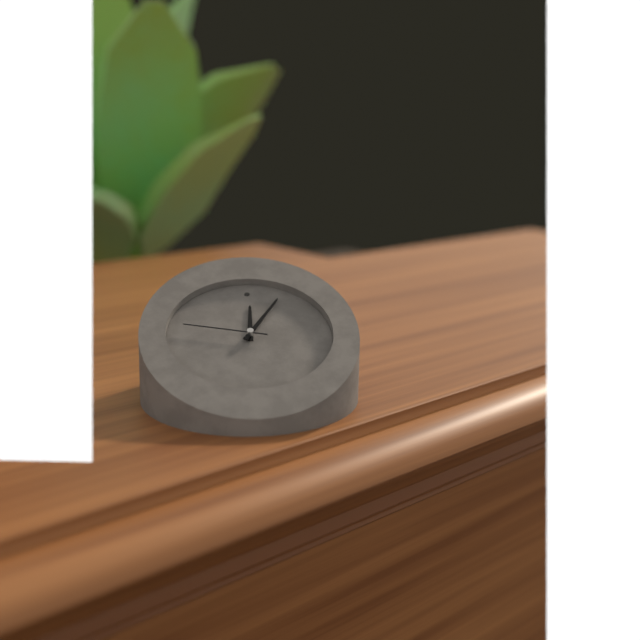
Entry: h=12 m=5 s=47
